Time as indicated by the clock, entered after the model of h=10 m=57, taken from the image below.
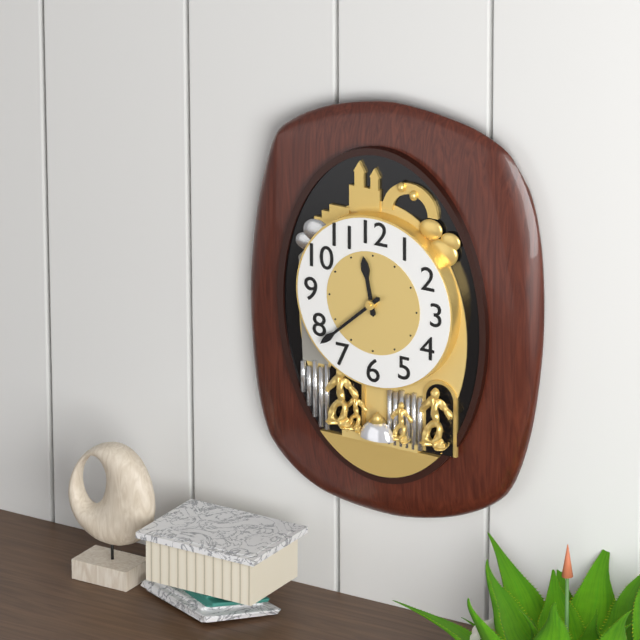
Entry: h=11 m=38
